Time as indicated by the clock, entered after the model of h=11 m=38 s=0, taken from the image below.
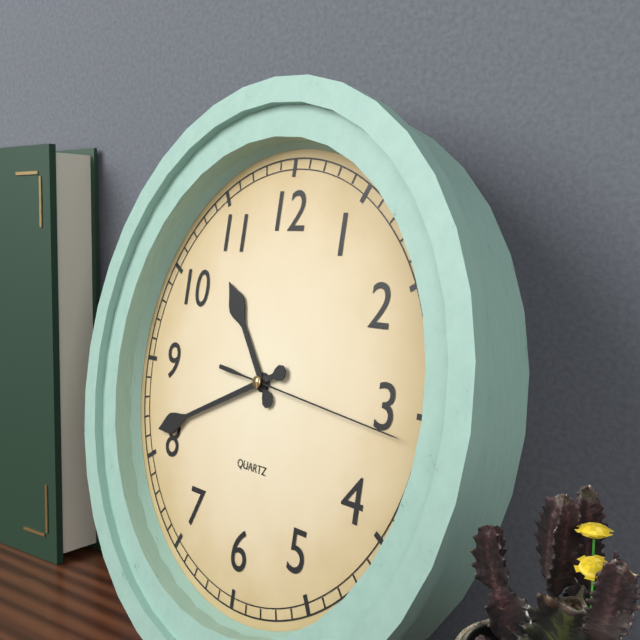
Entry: h=10 m=41 s=16
